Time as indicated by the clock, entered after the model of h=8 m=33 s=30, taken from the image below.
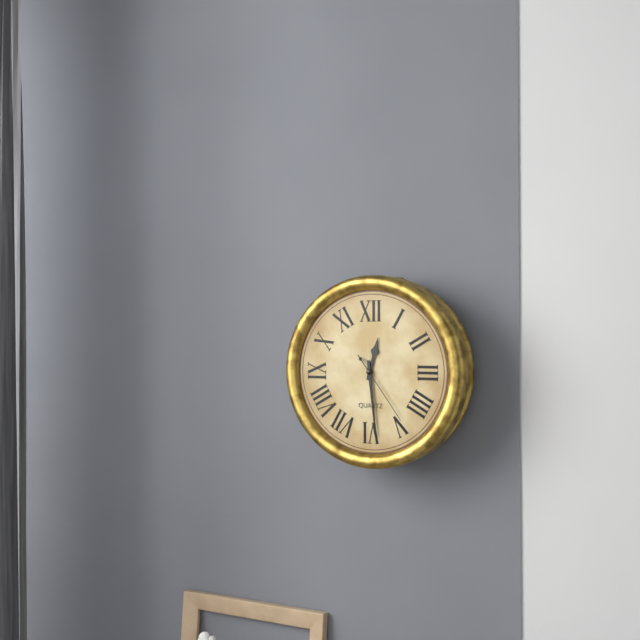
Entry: h=12 m=29 s=24
